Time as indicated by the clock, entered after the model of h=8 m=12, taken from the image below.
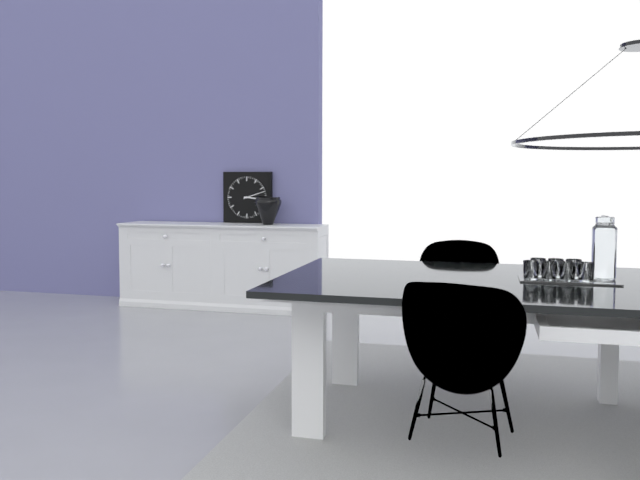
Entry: h=3 m=12
